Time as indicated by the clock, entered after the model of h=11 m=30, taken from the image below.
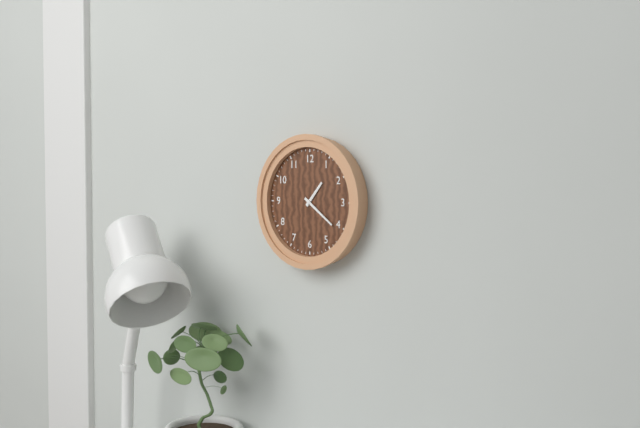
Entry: h=1 m=21
